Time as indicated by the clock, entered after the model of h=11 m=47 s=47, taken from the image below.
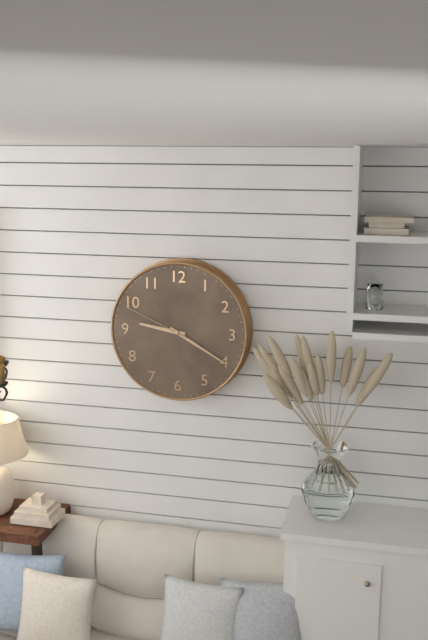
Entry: h=9 m=20 s=49
